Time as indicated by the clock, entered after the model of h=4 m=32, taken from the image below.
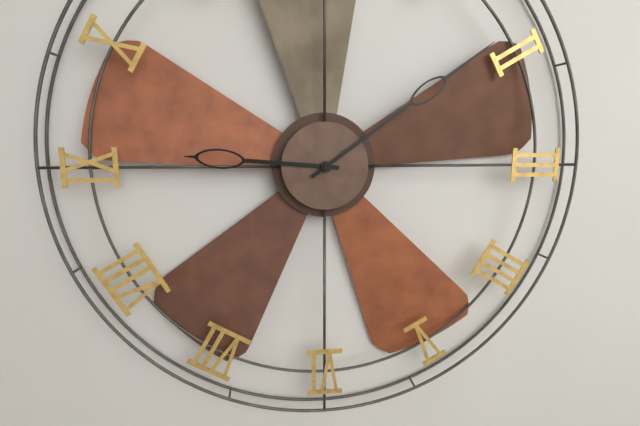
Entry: h=9 m=9
